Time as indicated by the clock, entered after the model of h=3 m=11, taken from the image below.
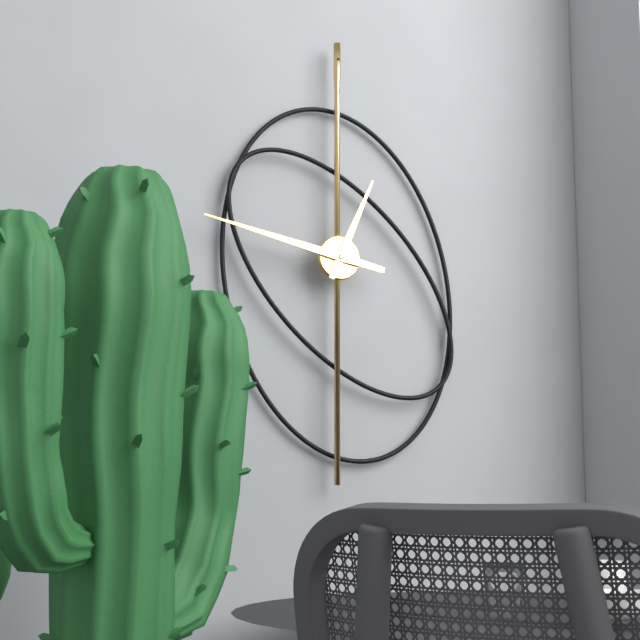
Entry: h=12 m=47
